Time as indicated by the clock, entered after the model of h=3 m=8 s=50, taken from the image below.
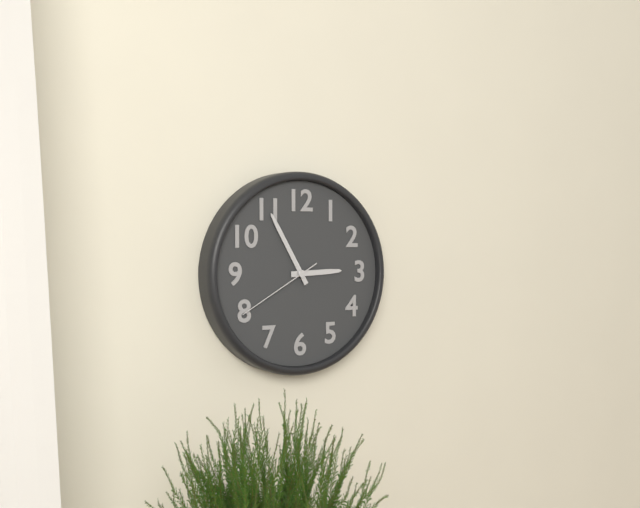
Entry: h=2 m=55 s=40
